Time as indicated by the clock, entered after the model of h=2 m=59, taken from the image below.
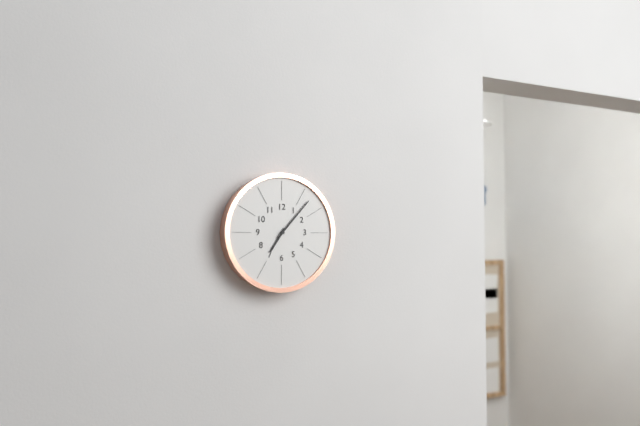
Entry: h=7 m=7
